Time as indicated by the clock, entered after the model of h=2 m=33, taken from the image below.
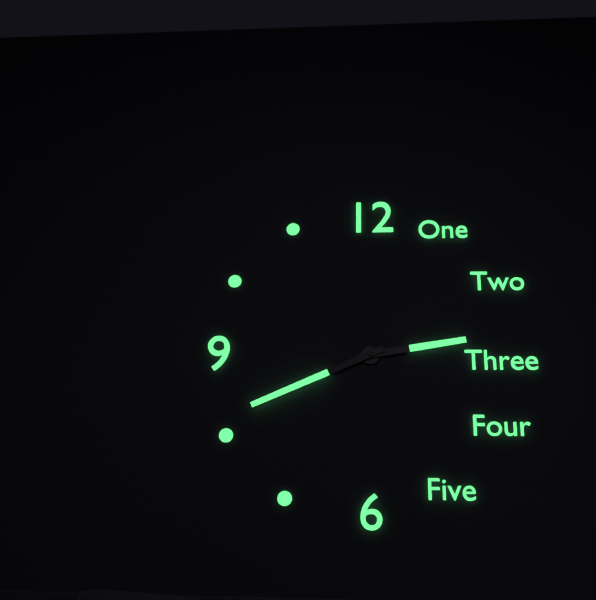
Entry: h=2 m=41
